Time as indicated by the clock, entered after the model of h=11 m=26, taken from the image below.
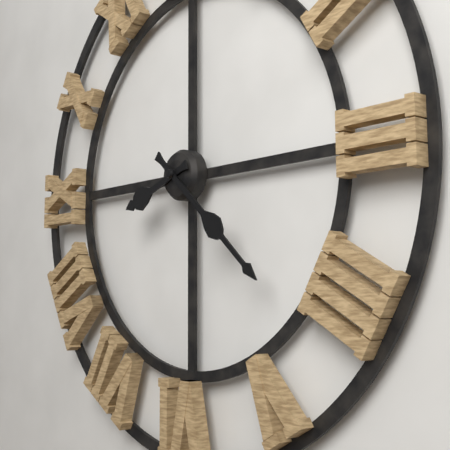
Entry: h=8 m=22
